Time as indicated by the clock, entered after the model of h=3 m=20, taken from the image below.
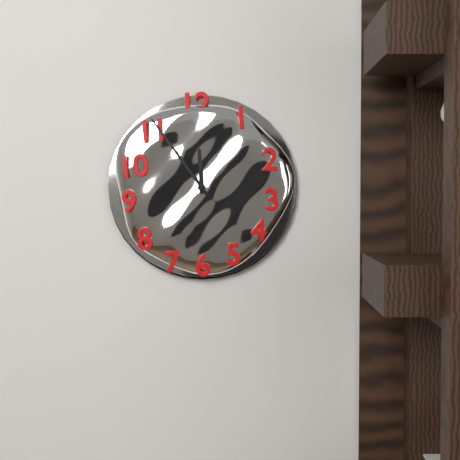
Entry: h=11 m=54
